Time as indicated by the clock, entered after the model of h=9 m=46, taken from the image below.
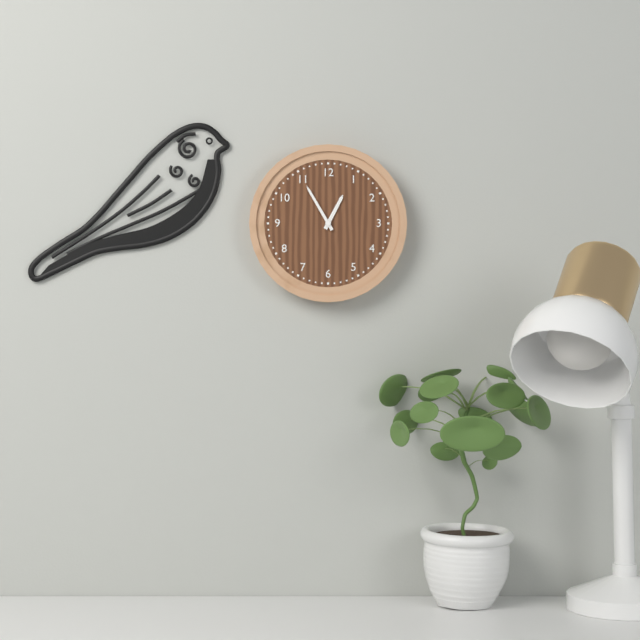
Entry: h=12 m=55
